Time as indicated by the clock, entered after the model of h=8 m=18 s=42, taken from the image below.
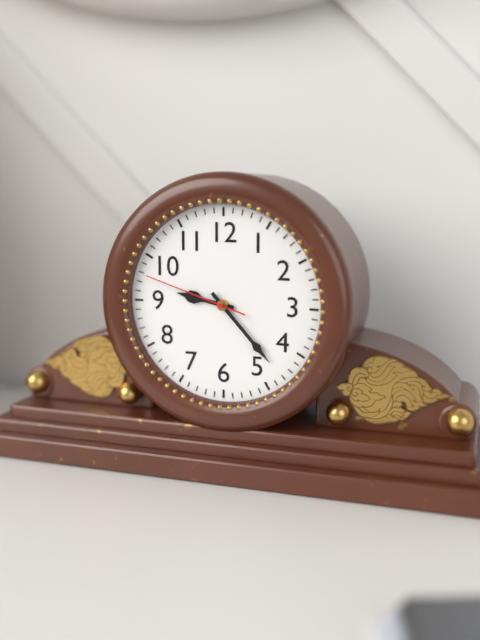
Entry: h=9 m=23 s=48
